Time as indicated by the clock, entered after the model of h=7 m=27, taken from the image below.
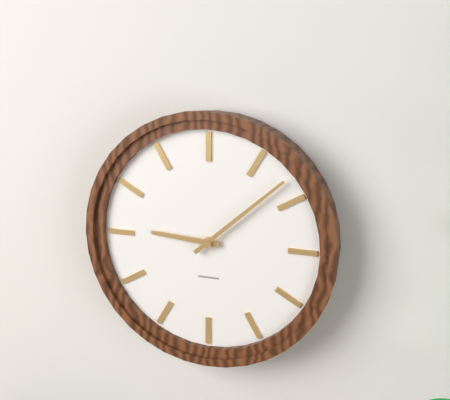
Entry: h=9 m=8
